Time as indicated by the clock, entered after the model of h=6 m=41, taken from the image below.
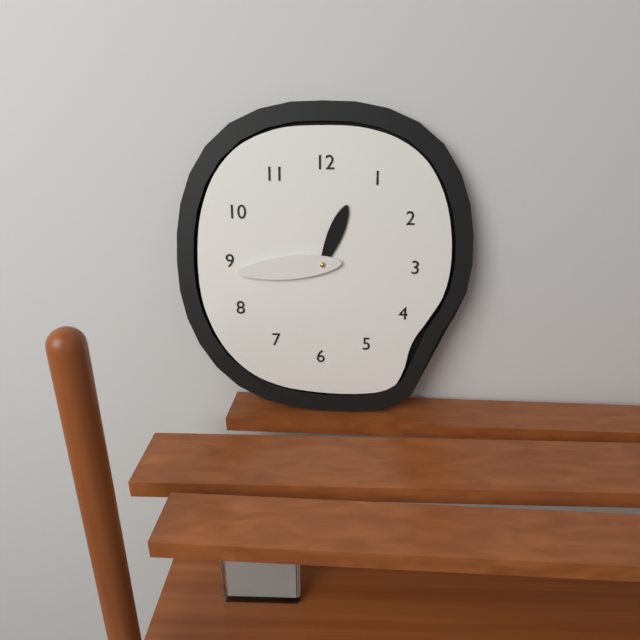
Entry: h=12 m=44
